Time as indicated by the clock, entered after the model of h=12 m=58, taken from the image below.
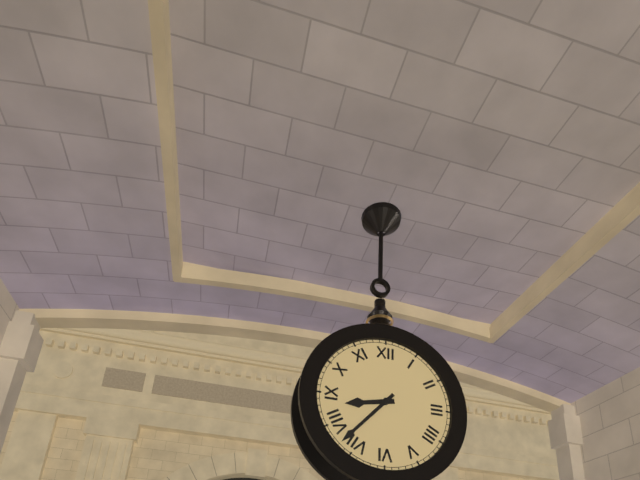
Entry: h=8 m=37
